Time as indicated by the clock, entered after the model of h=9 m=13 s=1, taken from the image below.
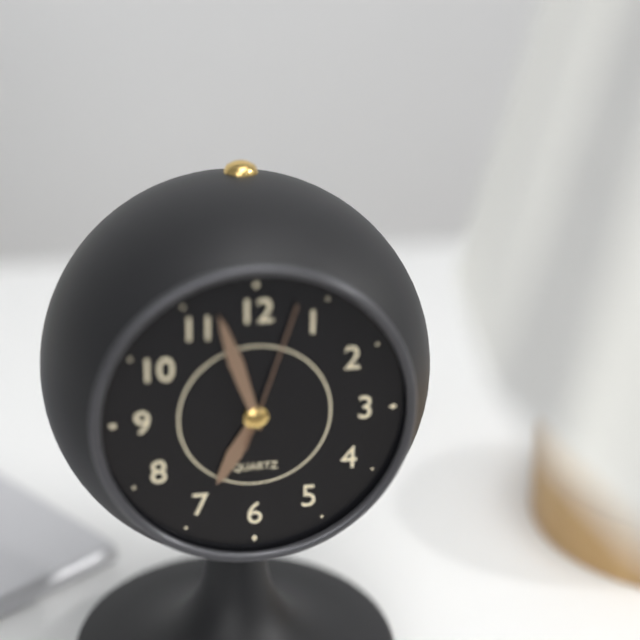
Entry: h=6 m=57 s=3
